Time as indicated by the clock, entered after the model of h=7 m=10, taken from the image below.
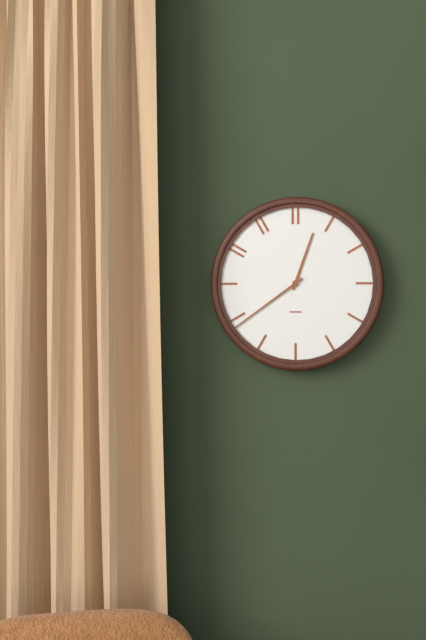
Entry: h=12 m=39
